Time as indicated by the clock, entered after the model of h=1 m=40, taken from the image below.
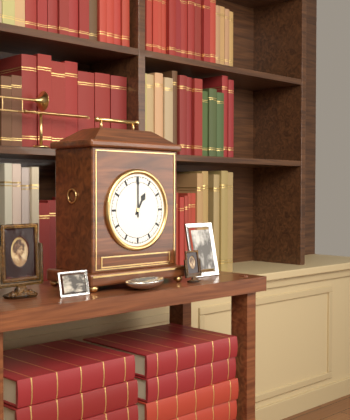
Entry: h=1 m=0
